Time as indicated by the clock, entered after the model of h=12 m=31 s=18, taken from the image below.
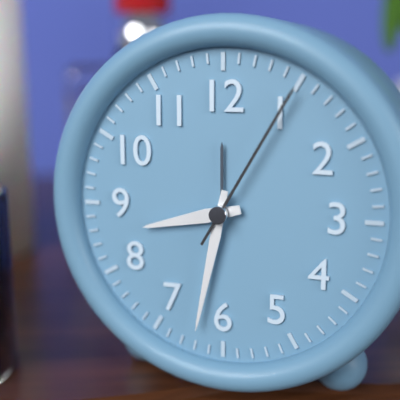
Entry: h=8 m=32 s=5
